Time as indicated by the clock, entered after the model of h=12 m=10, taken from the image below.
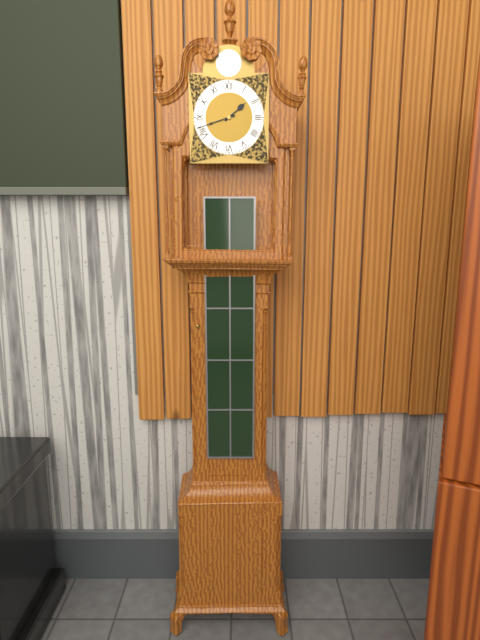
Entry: h=1 m=42
